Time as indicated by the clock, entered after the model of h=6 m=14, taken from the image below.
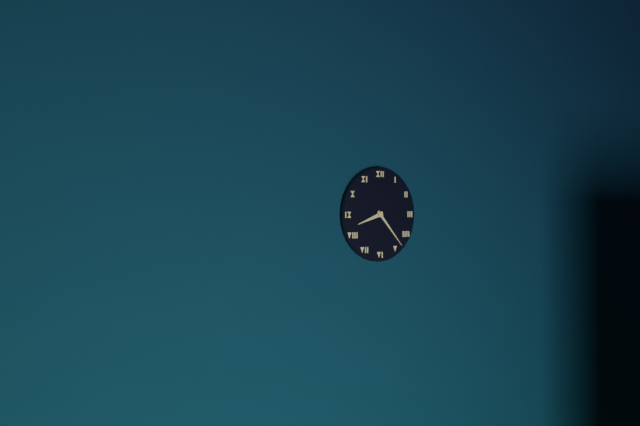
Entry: h=8 m=23
